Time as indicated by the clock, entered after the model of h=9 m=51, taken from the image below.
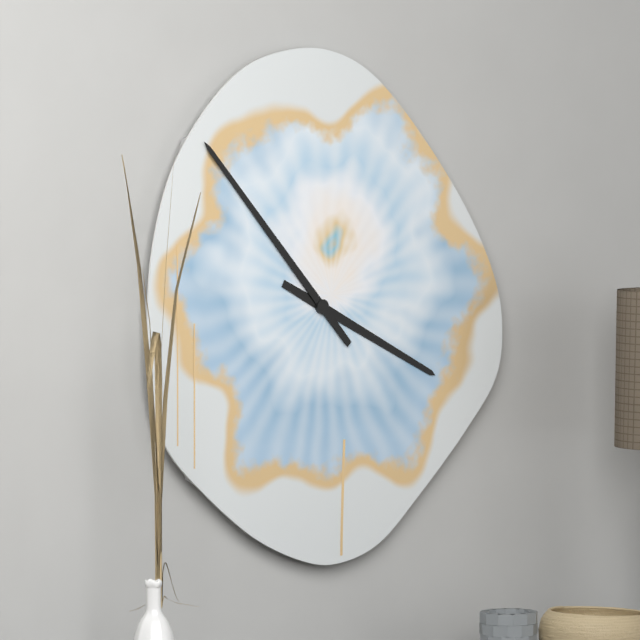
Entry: h=3 m=53
